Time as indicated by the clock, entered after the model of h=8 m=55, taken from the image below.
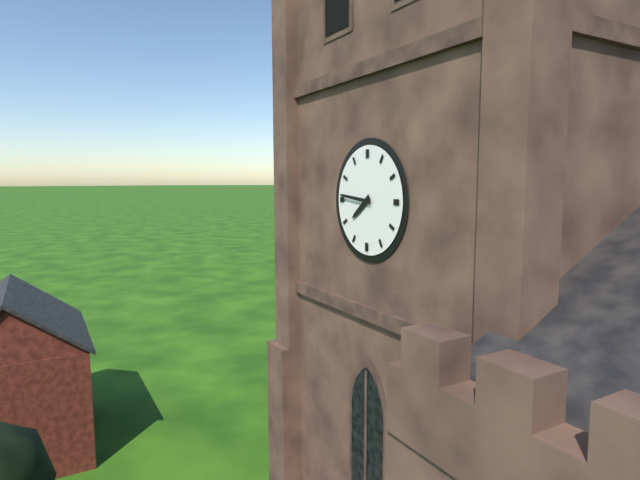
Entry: h=7 m=46
